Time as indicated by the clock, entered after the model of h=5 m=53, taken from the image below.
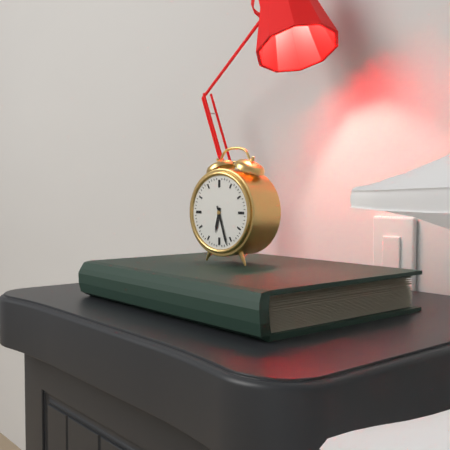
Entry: h=6 m=27
